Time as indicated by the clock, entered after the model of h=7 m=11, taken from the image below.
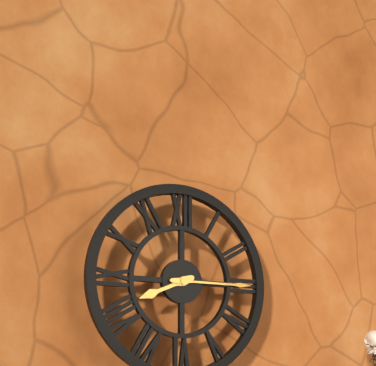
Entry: h=8 m=15
